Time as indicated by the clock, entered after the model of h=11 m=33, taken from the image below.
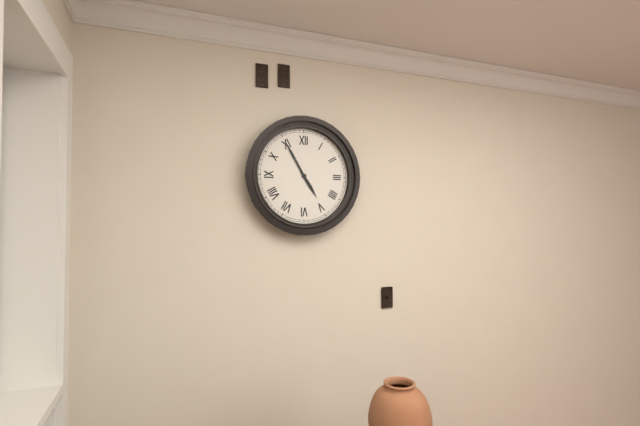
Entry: h=4 m=55
